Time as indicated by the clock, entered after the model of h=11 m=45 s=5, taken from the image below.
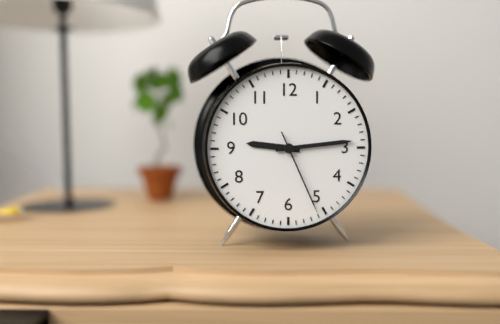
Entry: h=9 m=14 s=26
